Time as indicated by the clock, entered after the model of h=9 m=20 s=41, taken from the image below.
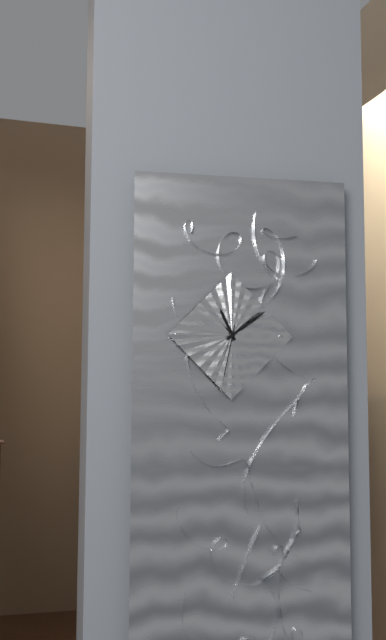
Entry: h=11 m=9 s=32
